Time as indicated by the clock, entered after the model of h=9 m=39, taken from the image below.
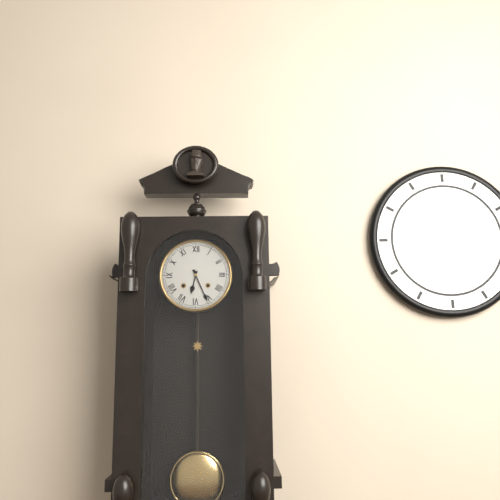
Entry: h=6 m=26
